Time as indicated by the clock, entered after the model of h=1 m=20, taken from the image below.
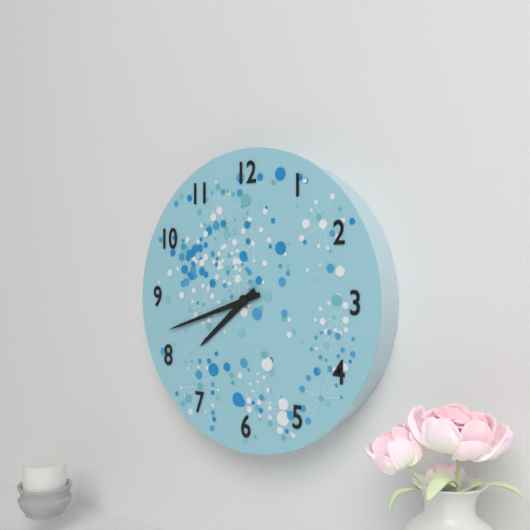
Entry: h=7 m=42
